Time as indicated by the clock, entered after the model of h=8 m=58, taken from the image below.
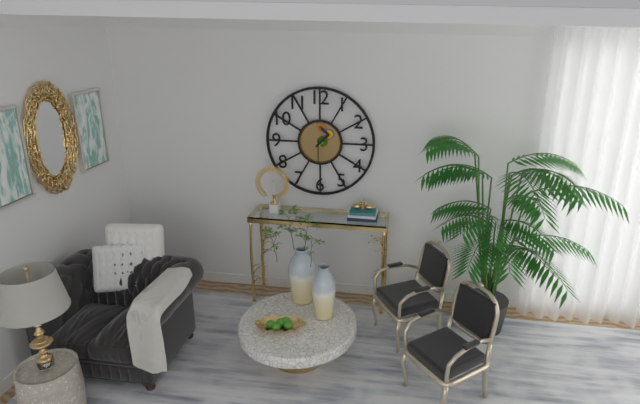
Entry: h=1 m=30
